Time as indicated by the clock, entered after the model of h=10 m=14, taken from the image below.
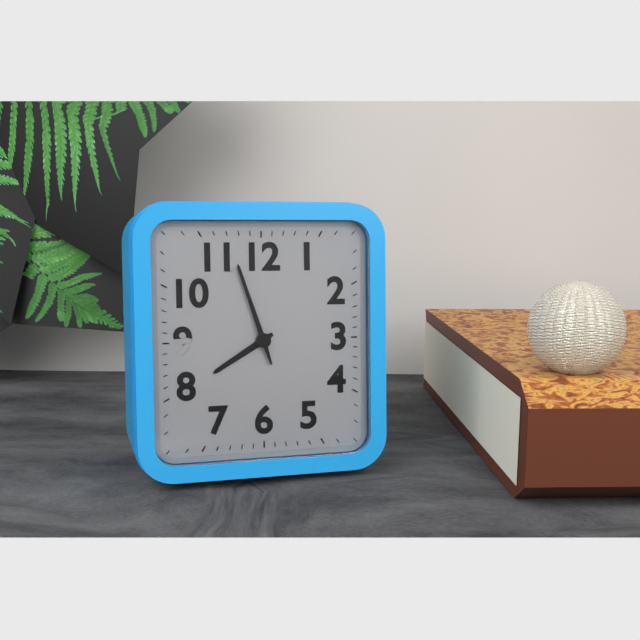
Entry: h=7 m=57
